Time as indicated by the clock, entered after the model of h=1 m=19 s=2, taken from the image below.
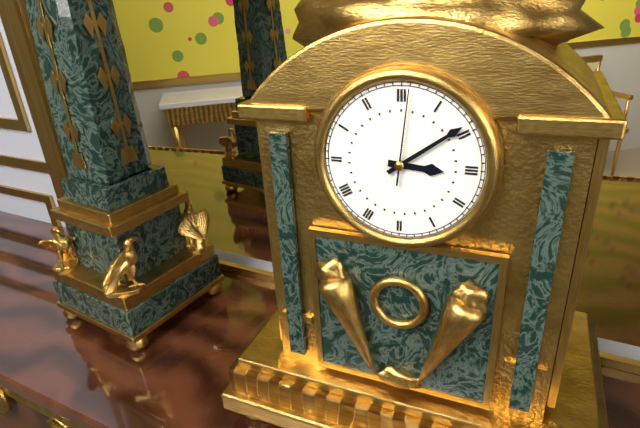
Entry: h=3 m=9 s=1
